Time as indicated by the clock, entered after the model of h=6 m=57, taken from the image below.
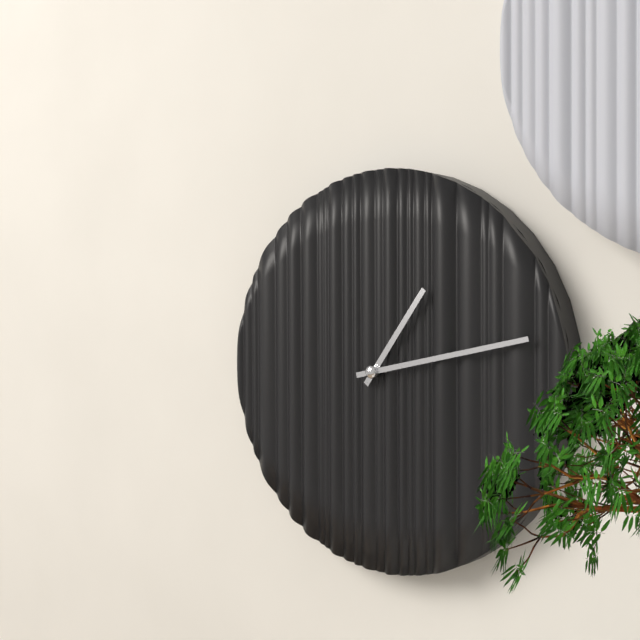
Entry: h=1 m=13
